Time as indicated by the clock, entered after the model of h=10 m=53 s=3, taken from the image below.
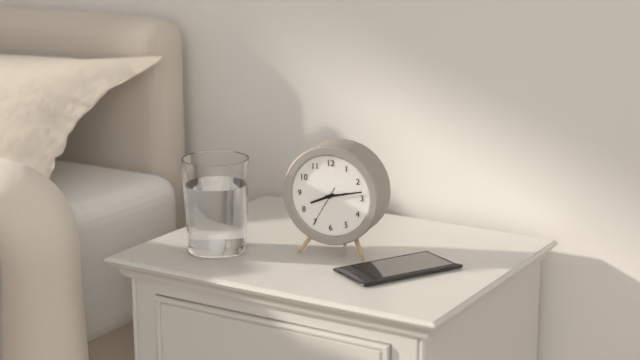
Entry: h=8 m=13 s=35
